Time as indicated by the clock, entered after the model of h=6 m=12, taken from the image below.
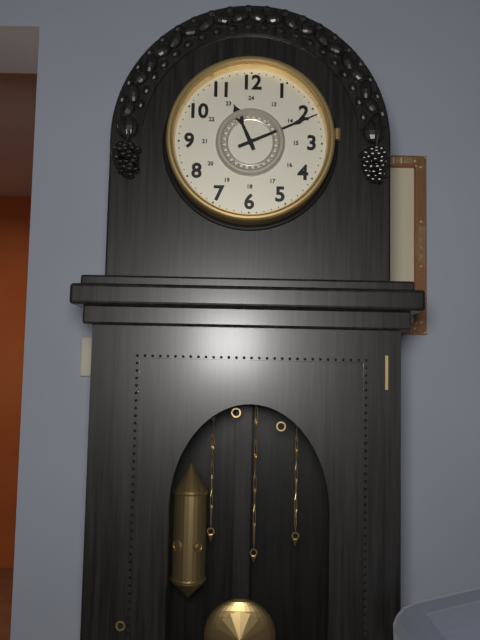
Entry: h=11 m=11
